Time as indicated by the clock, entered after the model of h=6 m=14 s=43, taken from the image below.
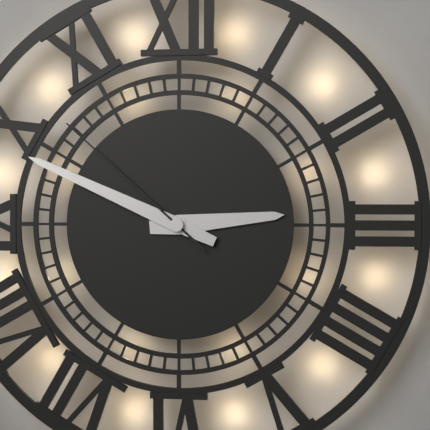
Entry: h=2 m=49 s=52
